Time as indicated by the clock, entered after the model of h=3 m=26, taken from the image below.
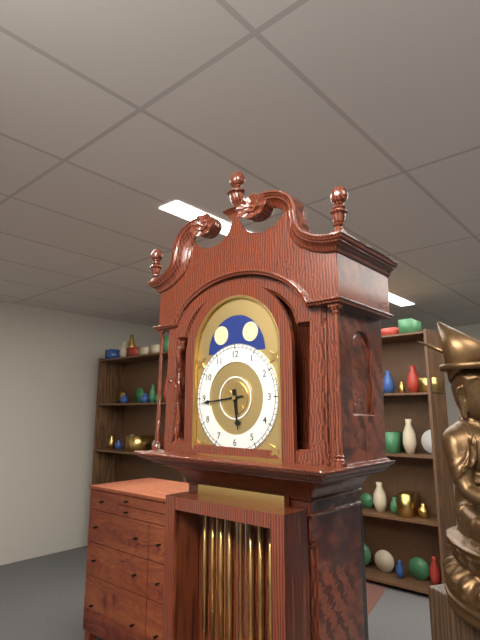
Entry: h=5 m=44
